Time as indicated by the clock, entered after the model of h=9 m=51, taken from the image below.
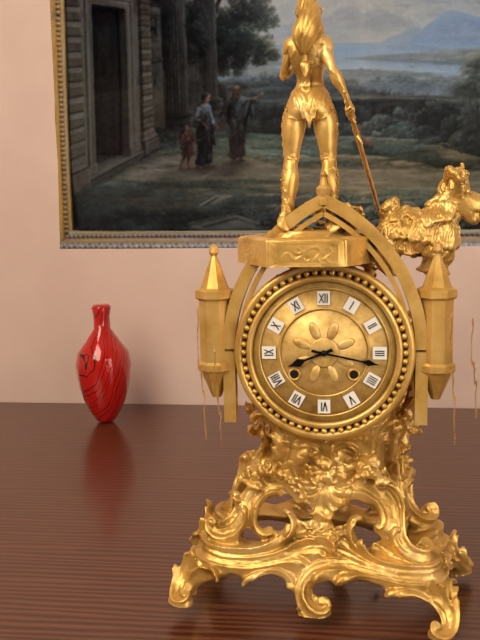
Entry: h=8 m=17
